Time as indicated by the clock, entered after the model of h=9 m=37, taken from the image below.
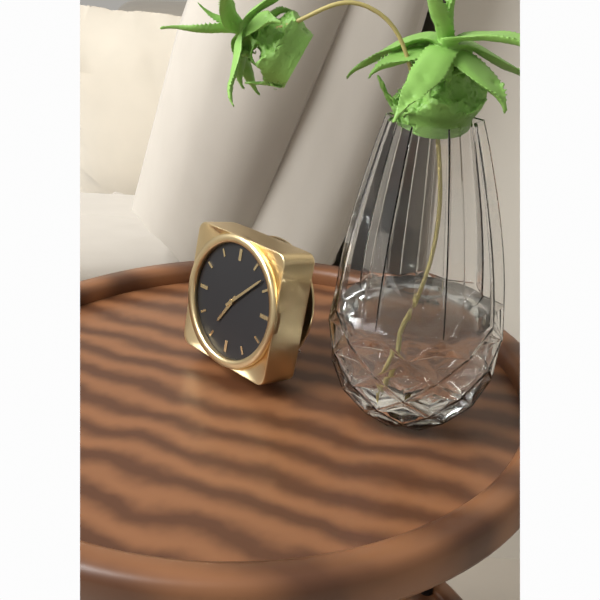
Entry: h=7 m=8
